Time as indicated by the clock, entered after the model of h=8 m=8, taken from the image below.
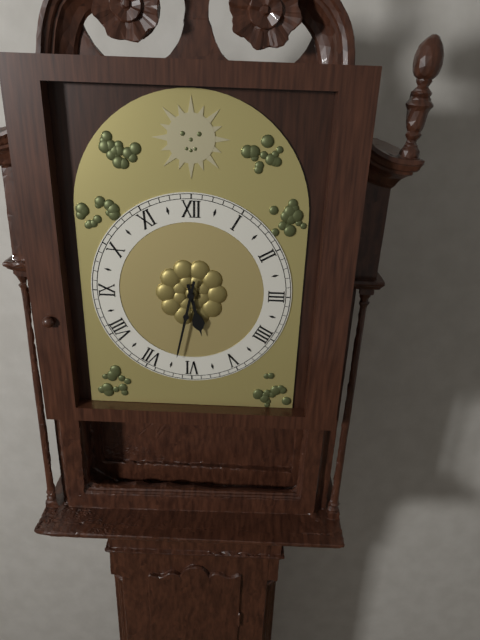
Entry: h=5 m=32
